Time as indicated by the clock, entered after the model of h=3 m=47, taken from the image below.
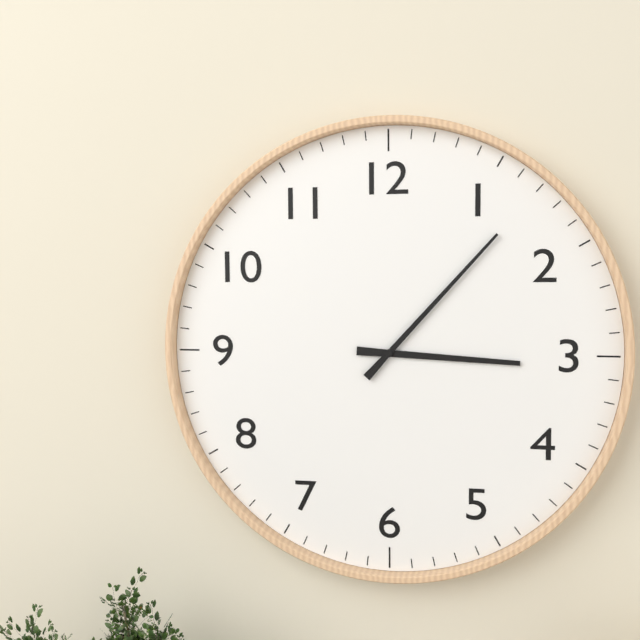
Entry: h=3 m=7
